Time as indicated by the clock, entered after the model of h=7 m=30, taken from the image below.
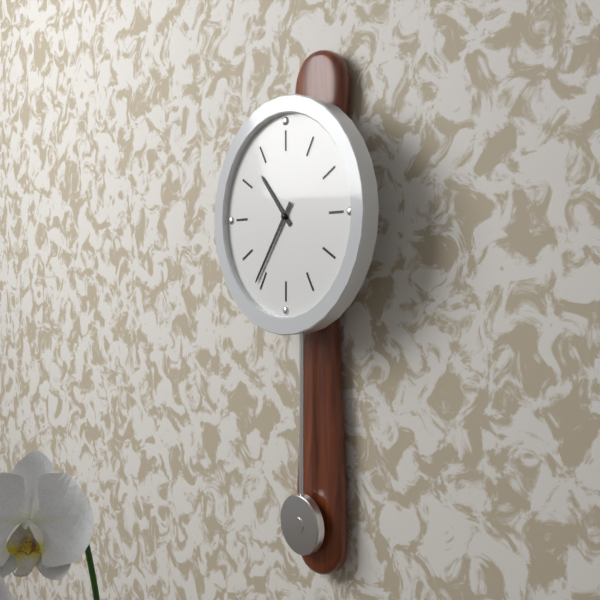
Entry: h=10 m=36
